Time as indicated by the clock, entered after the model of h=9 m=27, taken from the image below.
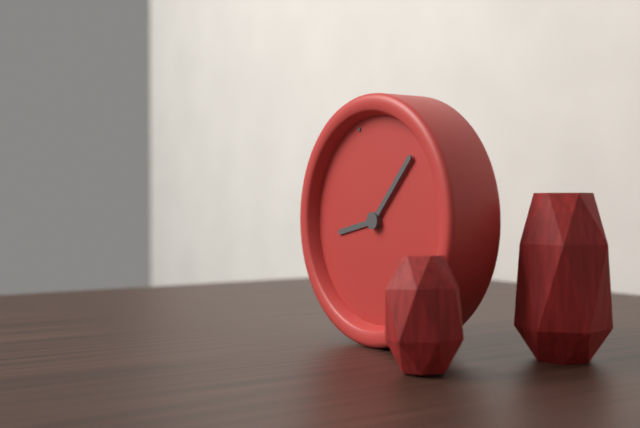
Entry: h=9 m=10
